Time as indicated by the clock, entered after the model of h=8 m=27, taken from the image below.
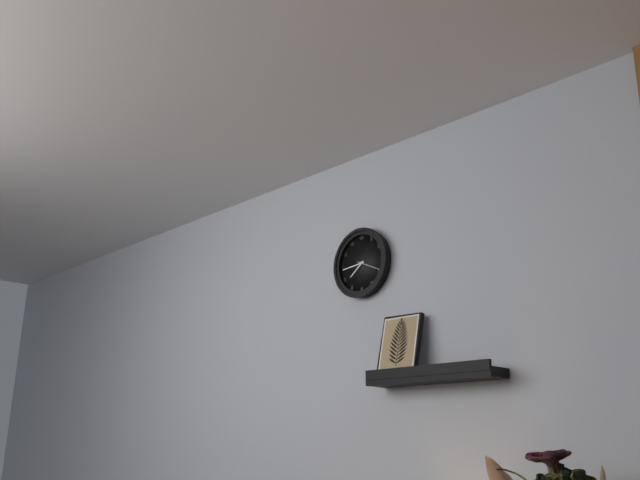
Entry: h=7 m=44
